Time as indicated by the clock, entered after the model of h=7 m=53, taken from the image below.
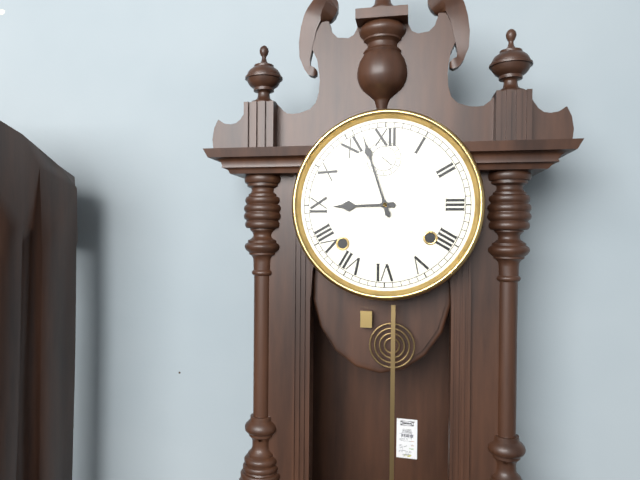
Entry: h=8 m=57
